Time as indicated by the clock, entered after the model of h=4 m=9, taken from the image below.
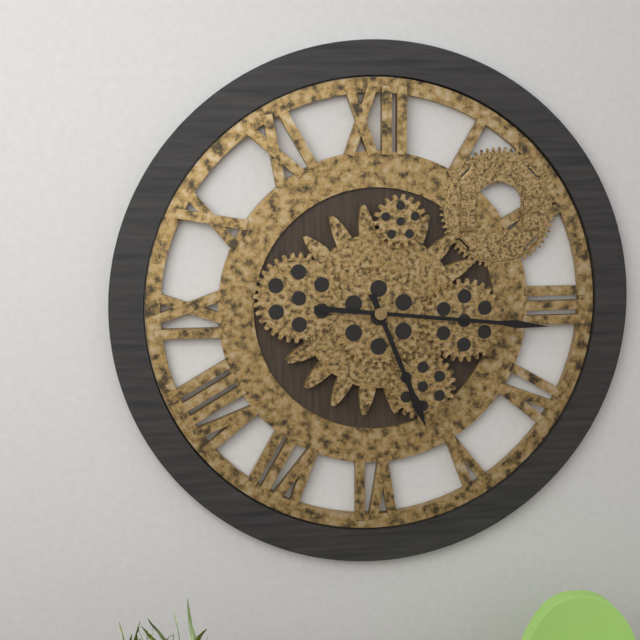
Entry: h=5 m=16
